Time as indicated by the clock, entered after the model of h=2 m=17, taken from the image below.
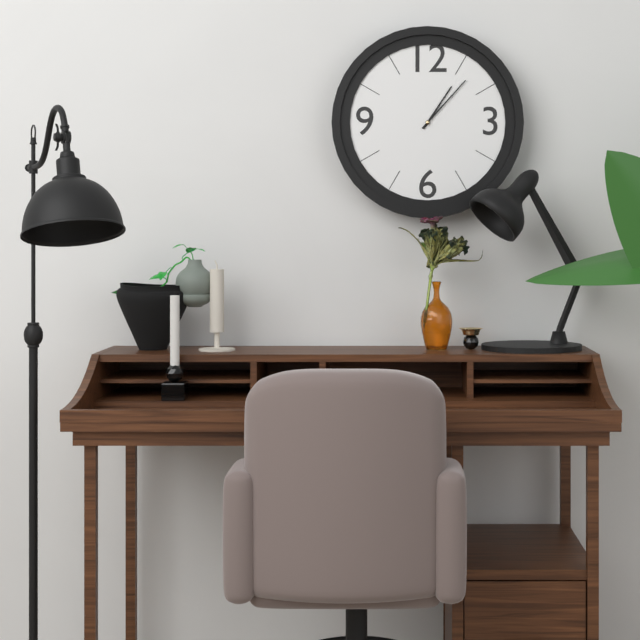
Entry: h=1 m=7
